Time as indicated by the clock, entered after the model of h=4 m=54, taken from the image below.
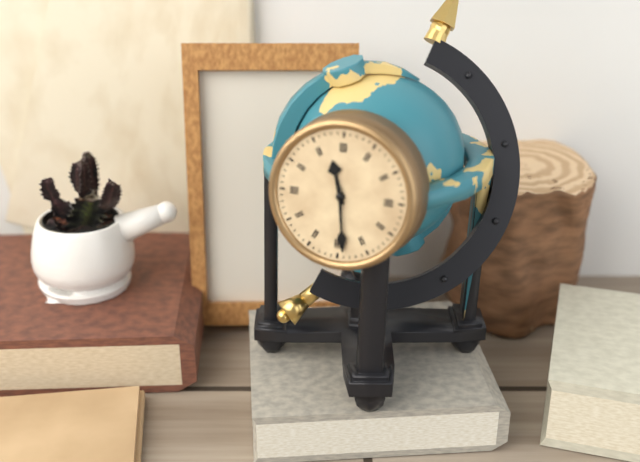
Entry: h=11 m=29
